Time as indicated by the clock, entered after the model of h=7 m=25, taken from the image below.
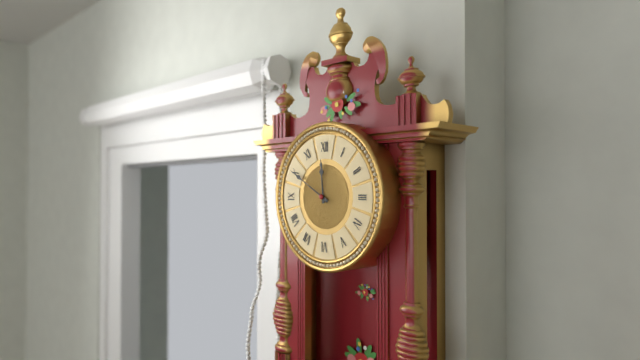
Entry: h=11 m=50
